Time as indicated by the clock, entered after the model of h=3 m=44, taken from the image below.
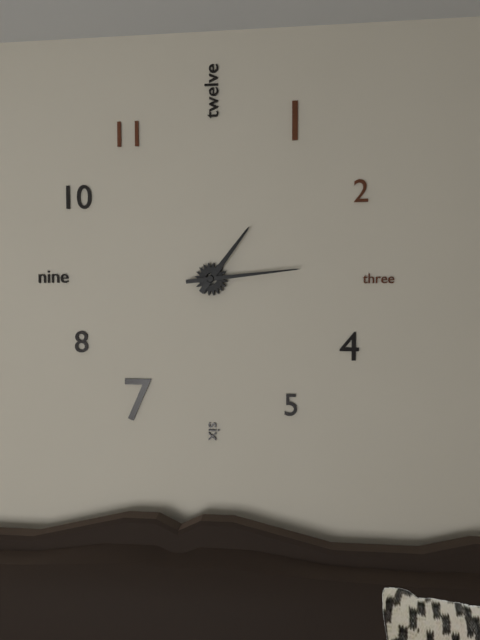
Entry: h=1 m=14
